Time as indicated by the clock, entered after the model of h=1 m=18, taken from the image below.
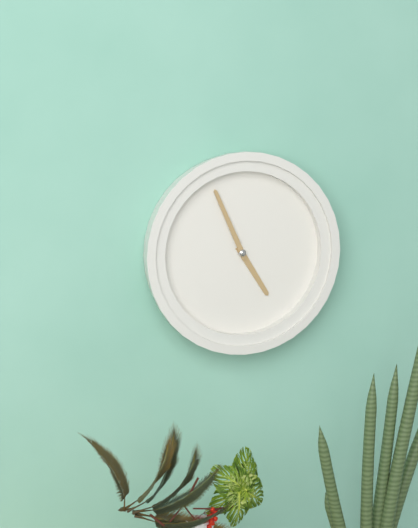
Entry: h=4 m=56
